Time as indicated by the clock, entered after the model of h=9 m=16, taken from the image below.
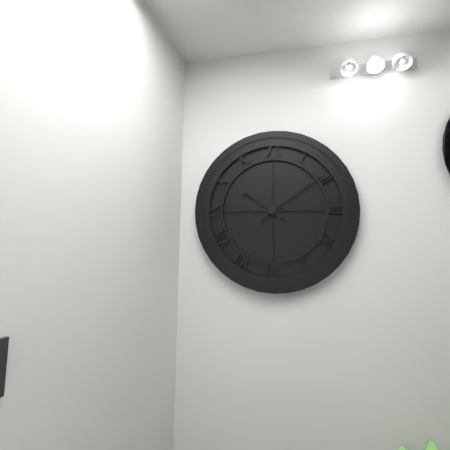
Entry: h=10 m=9
